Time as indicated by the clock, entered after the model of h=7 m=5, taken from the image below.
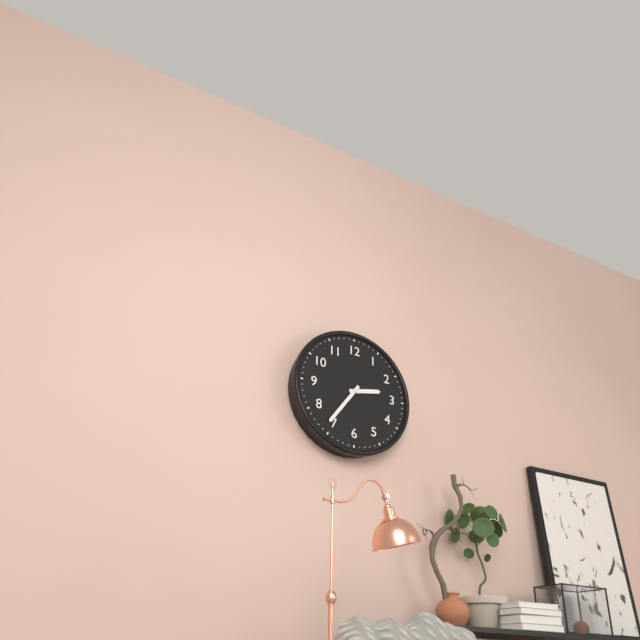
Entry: h=2 m=36
